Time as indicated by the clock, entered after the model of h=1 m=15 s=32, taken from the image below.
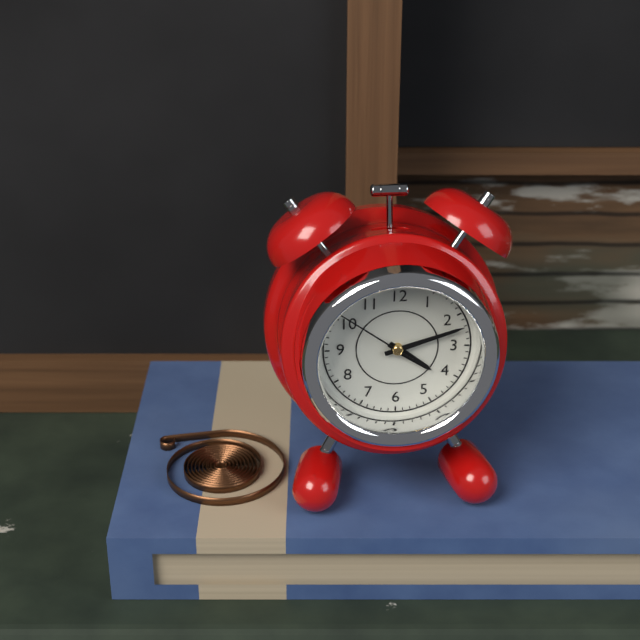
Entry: h=4 m=12 s=51
